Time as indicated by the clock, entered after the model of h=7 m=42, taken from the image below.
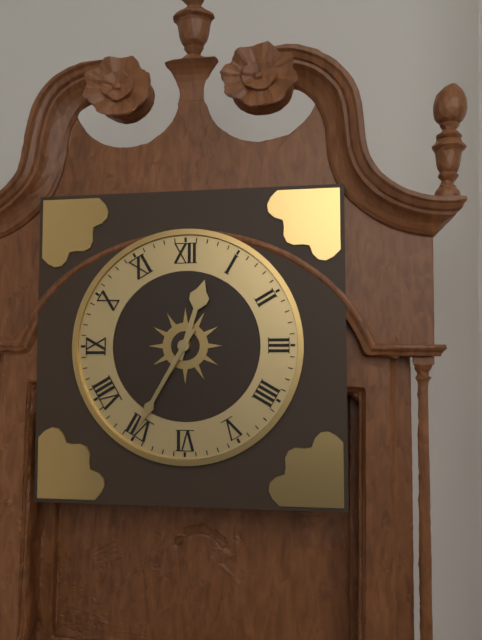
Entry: h=12 m=35
